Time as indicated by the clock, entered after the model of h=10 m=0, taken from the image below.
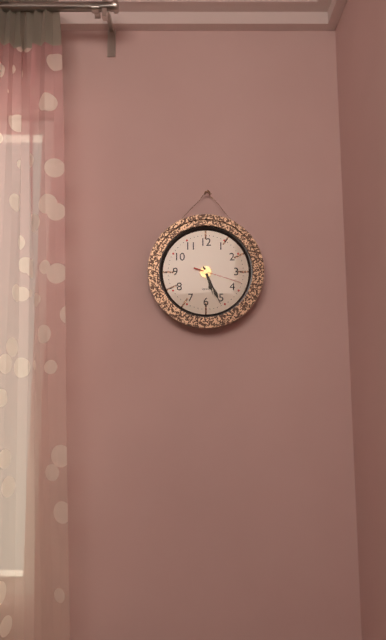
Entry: h=5 m=26
